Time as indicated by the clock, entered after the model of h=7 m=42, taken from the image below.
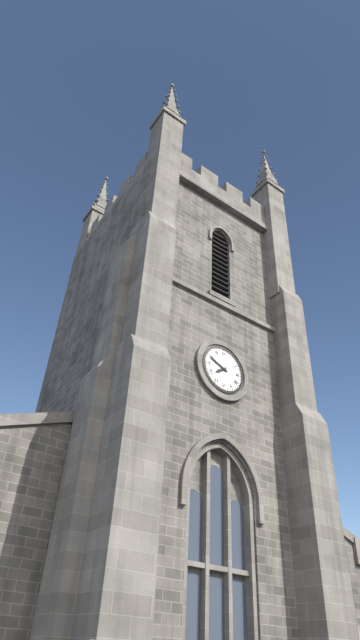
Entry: h=7 m=49
